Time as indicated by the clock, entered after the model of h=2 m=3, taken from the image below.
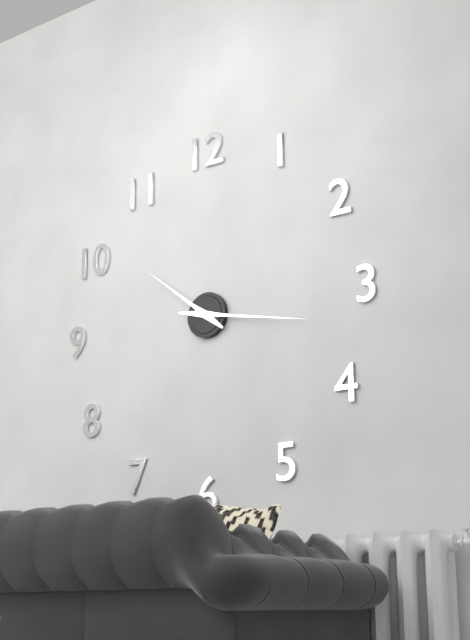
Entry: h=10 m=17
